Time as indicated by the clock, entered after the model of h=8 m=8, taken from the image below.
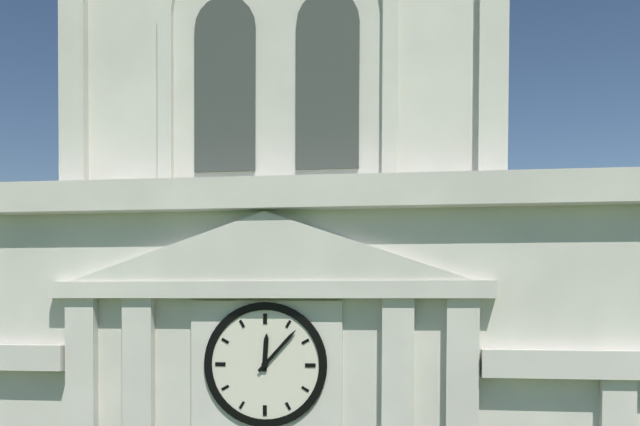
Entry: h=12 m=7
